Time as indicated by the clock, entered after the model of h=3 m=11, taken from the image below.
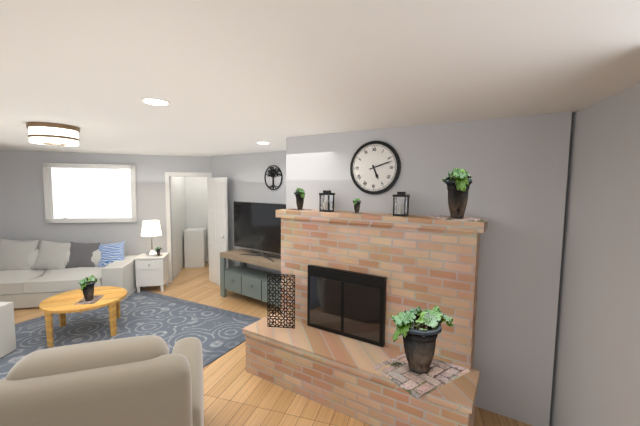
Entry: h=5 m=12
